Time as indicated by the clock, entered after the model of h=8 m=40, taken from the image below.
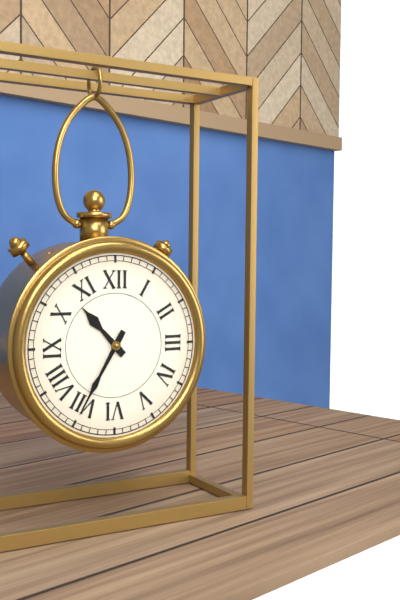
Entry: h=10 m=35
